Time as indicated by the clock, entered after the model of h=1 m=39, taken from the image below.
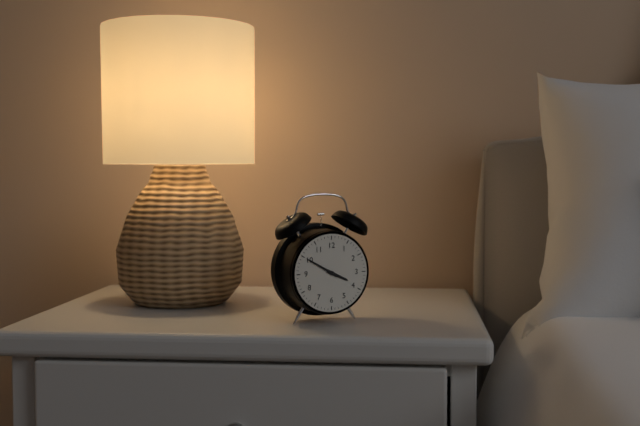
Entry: h=3 m=50
